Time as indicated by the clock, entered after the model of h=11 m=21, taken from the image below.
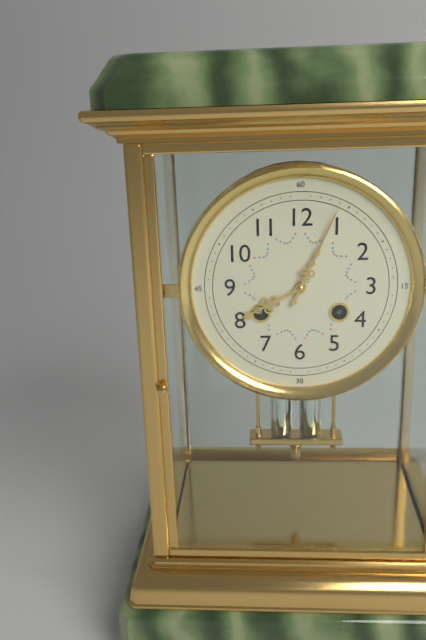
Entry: h=8 m=4
